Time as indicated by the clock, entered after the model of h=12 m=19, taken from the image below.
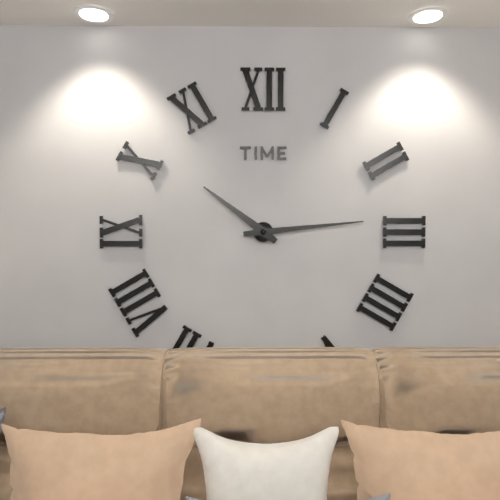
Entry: h=10 m=14
